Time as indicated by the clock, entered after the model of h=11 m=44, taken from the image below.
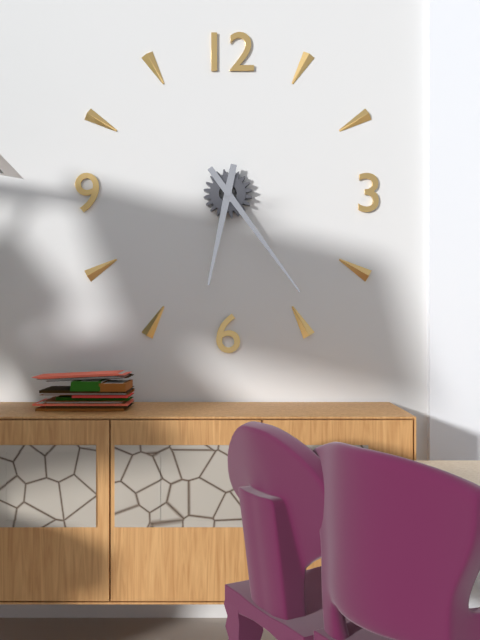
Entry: h=6 m=24
